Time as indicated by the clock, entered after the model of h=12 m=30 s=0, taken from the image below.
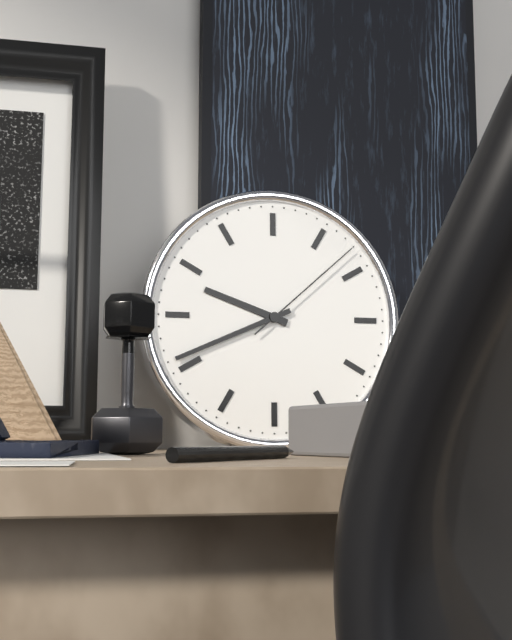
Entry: h=9 m=41 s=8
